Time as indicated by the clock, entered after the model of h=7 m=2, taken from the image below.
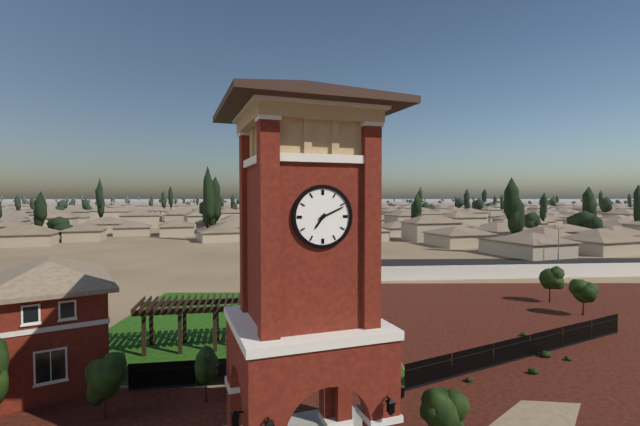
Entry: h=7 m=11
